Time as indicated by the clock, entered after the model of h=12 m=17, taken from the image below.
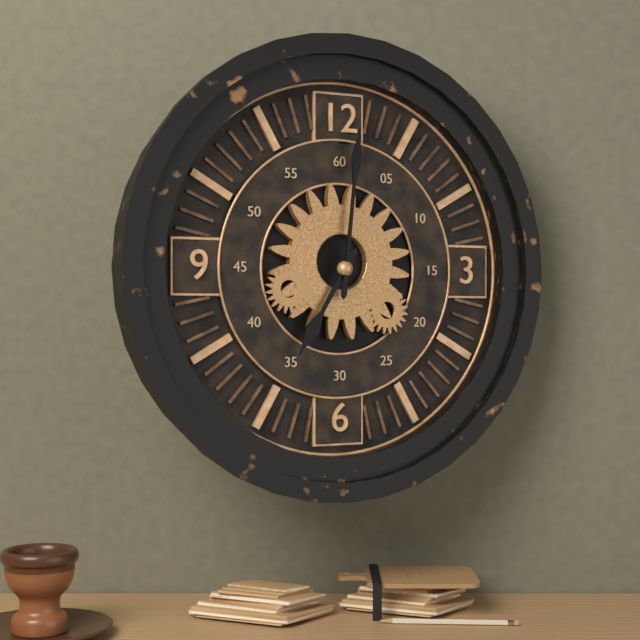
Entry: h=7 m=1
